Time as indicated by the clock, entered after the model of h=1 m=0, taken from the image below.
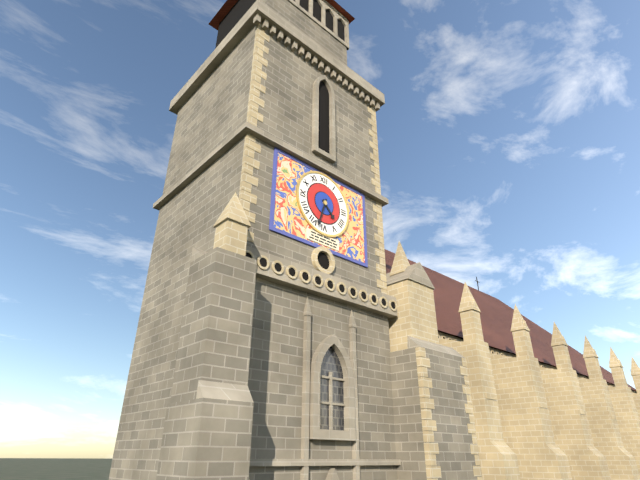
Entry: h=4 m=33
